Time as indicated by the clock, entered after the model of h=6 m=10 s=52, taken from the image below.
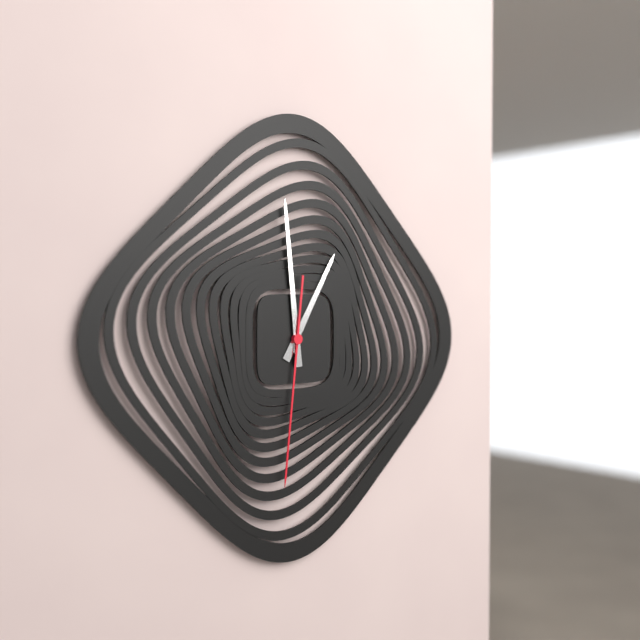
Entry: h=12 m=59 s=31
